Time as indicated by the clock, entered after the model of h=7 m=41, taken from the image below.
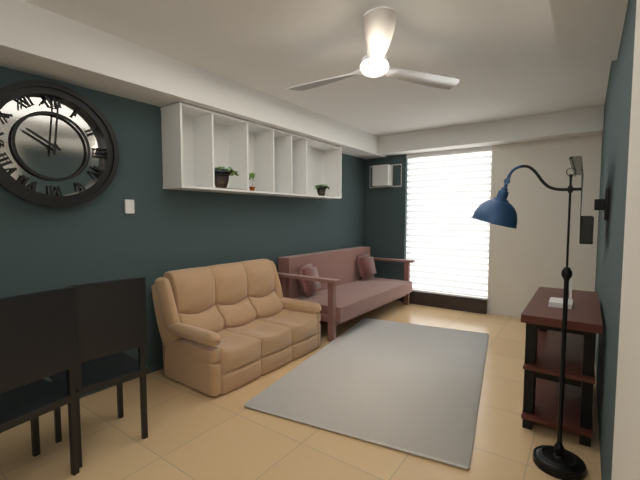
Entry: h=10 m=1
